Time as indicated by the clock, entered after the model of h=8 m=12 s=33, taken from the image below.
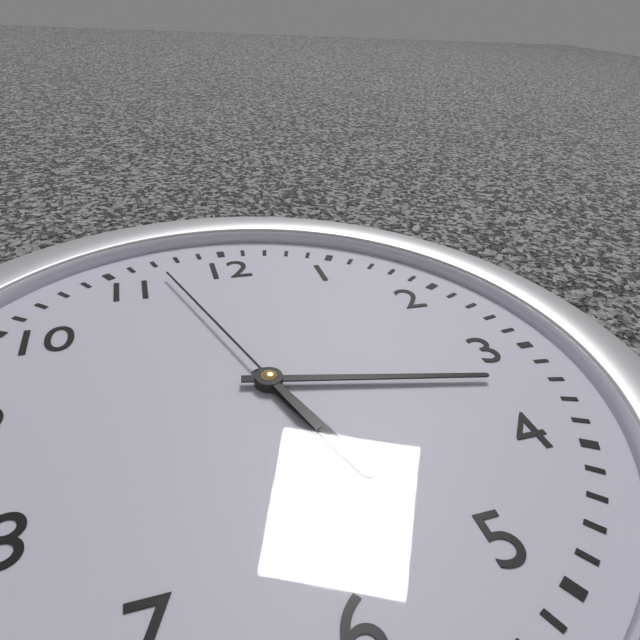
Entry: h=5 m=17 s=57
